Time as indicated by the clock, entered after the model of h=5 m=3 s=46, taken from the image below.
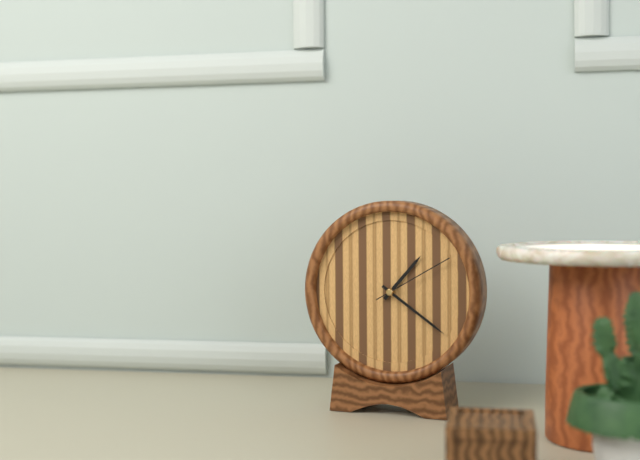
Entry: h=1 m=21 s=10
